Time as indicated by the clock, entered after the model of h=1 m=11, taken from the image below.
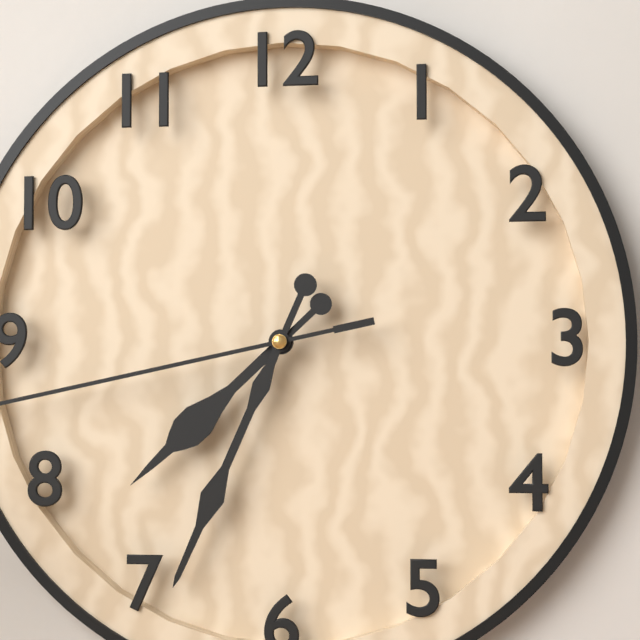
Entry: h=7 m=34
